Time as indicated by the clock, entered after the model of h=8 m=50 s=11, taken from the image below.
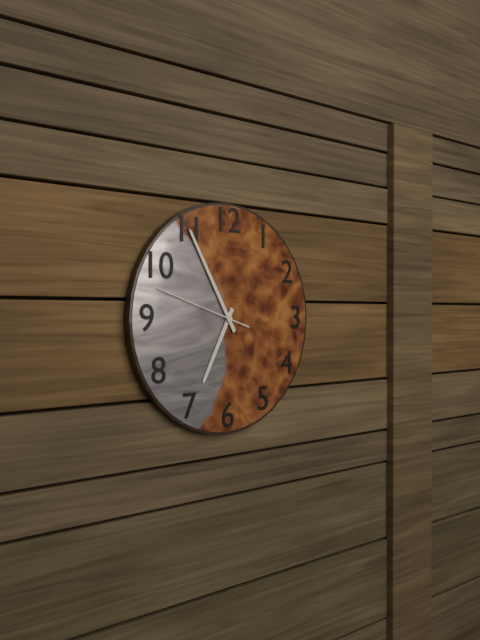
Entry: h=6 m=55 s=48
